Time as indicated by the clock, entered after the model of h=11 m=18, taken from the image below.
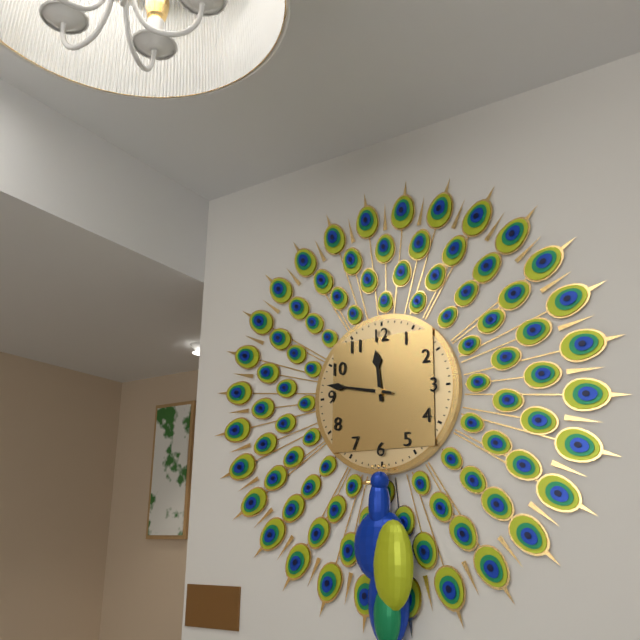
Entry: h=11 m=47
